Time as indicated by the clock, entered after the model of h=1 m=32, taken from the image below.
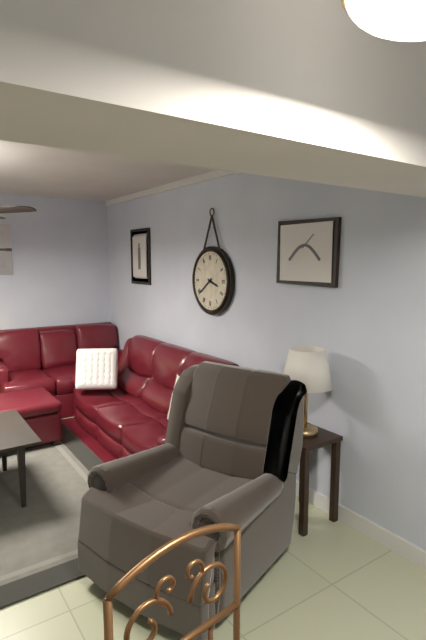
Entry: h=3 m=39
